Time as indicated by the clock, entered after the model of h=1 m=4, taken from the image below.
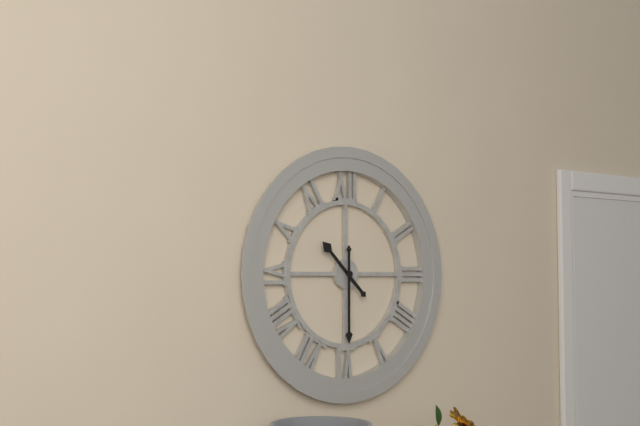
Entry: h=10 m=30
